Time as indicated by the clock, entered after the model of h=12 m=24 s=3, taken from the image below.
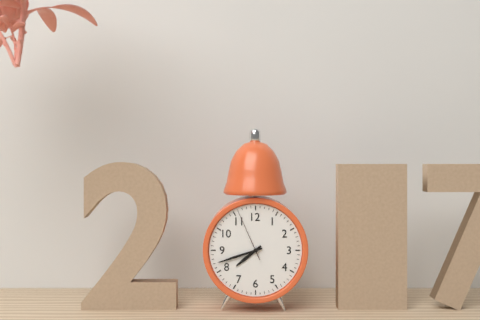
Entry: h=7 m=42 s=56
